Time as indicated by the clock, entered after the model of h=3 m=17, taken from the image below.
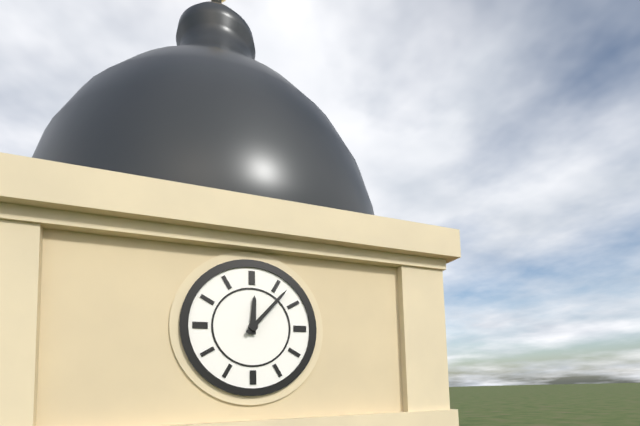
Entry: h=12 m=7
